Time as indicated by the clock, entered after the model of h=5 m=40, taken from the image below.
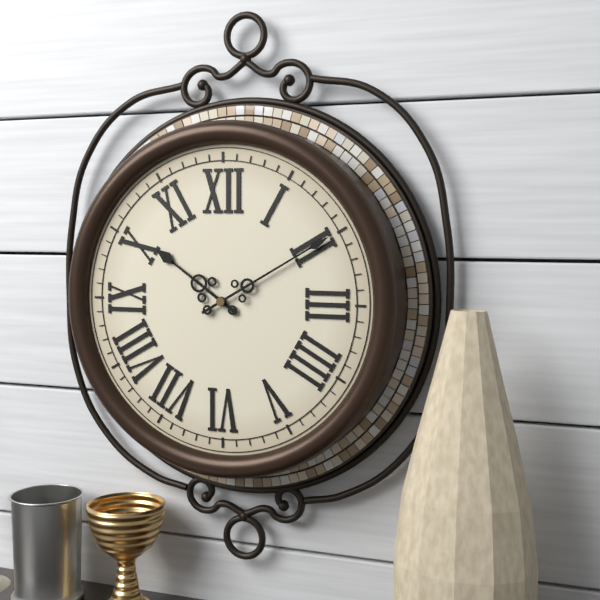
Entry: h=10 m=10
